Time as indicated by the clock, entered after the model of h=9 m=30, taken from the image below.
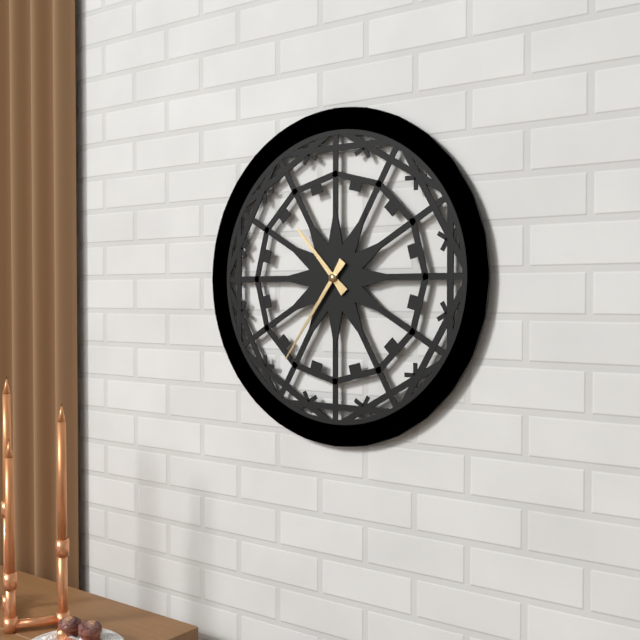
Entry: h=10 m=36
